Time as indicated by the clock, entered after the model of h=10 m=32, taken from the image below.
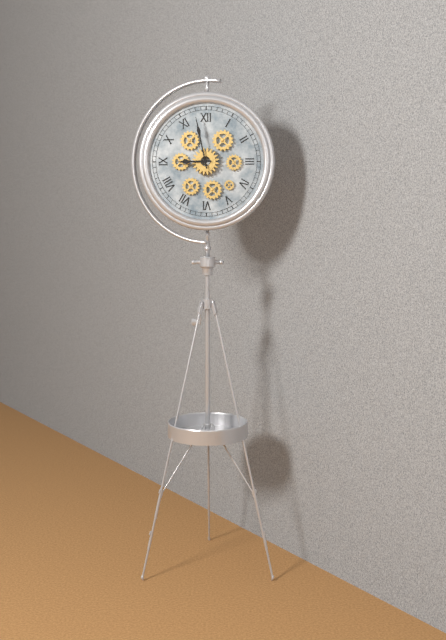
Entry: h=8 m=58
